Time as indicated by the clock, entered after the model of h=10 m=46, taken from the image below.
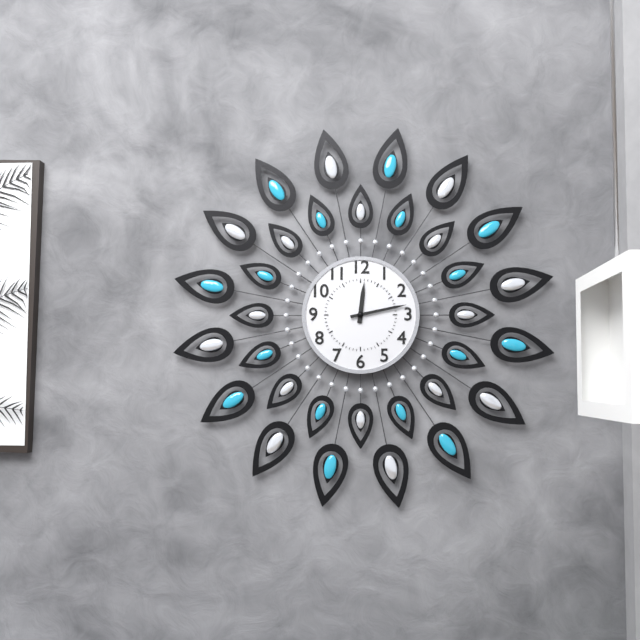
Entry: h=12 m=13
